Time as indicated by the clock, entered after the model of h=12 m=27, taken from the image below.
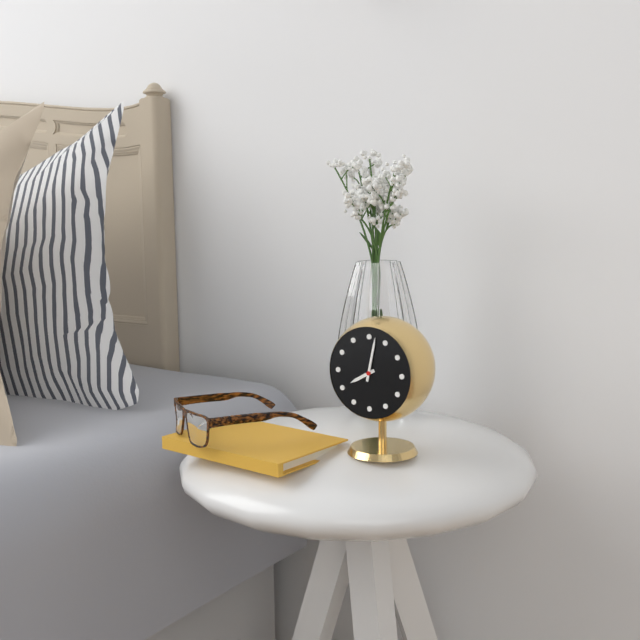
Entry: h=8 m=2
